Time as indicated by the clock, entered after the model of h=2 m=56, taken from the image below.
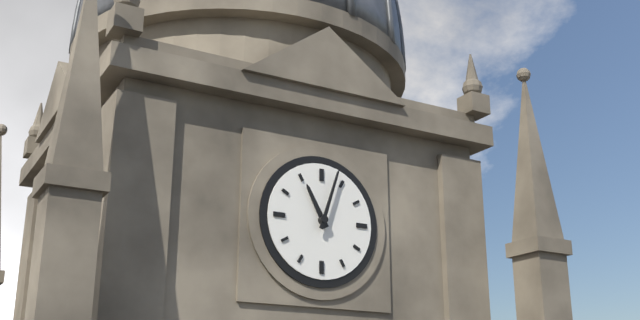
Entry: h=11 m=3
